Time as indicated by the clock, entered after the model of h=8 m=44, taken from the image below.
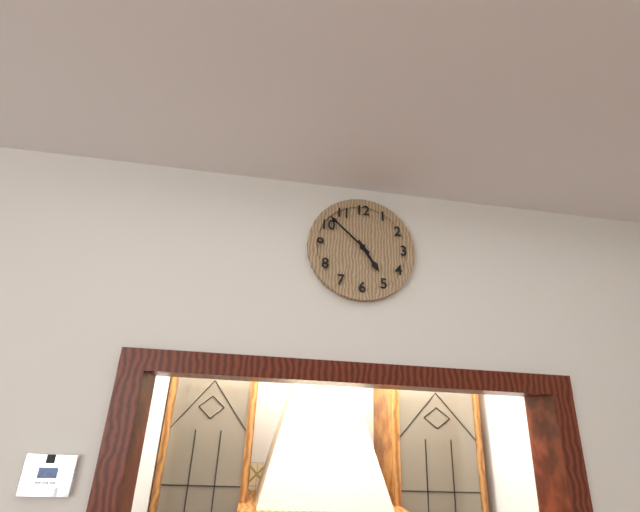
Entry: h=4 m=52
